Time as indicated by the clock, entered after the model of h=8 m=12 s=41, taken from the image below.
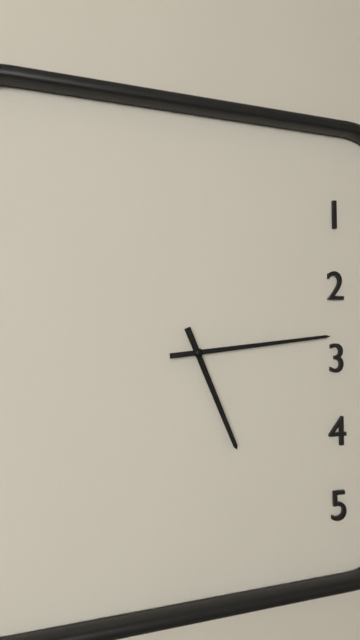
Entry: h=5 m=14 s=26
